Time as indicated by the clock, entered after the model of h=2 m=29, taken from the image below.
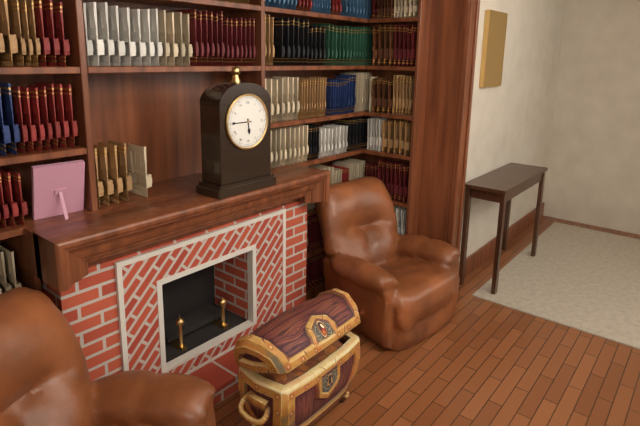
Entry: h=5 m=45
